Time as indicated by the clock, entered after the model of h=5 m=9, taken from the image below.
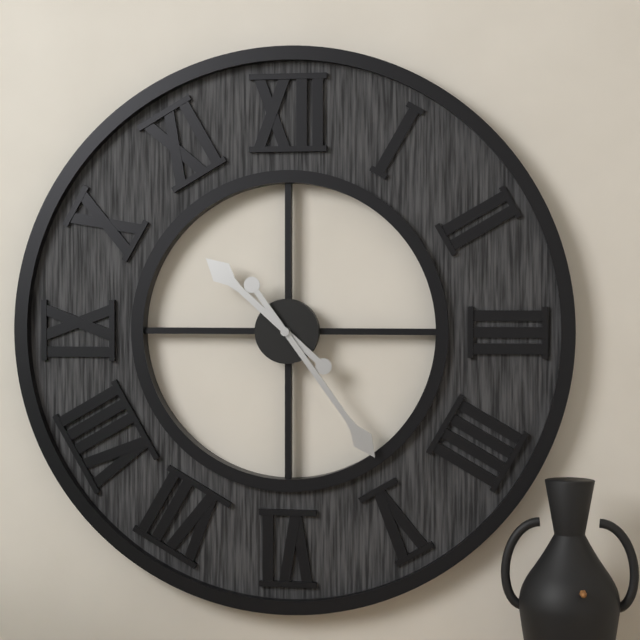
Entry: h=10 m=24
